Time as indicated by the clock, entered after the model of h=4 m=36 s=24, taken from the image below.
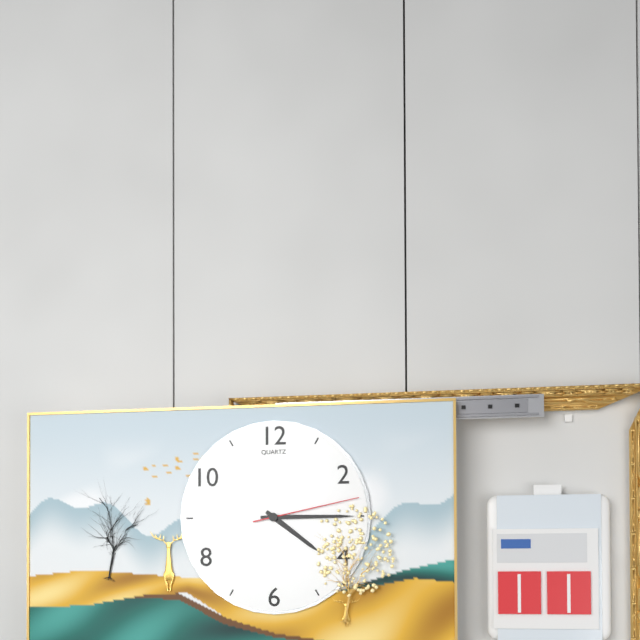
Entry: h=4 m=15 s=13
